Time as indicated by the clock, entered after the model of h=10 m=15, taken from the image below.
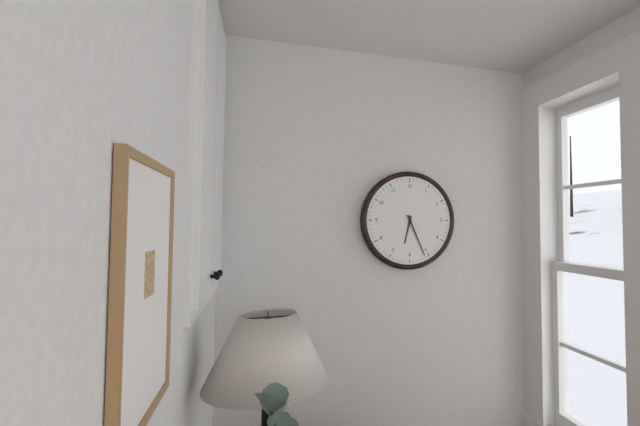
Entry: h=6 m=26
